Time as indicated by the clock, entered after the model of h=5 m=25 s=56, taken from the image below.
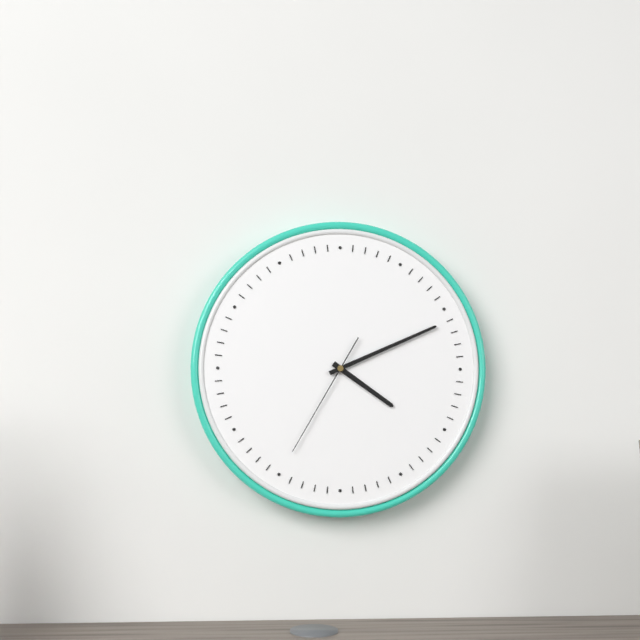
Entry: h=4 m=11 s=35
